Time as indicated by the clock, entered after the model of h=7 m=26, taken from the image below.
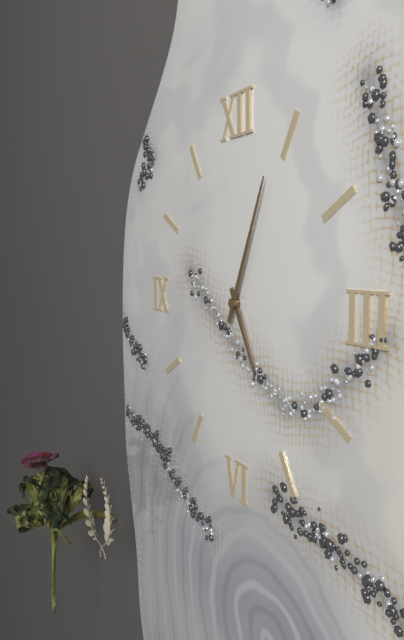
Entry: h=5 m=4
